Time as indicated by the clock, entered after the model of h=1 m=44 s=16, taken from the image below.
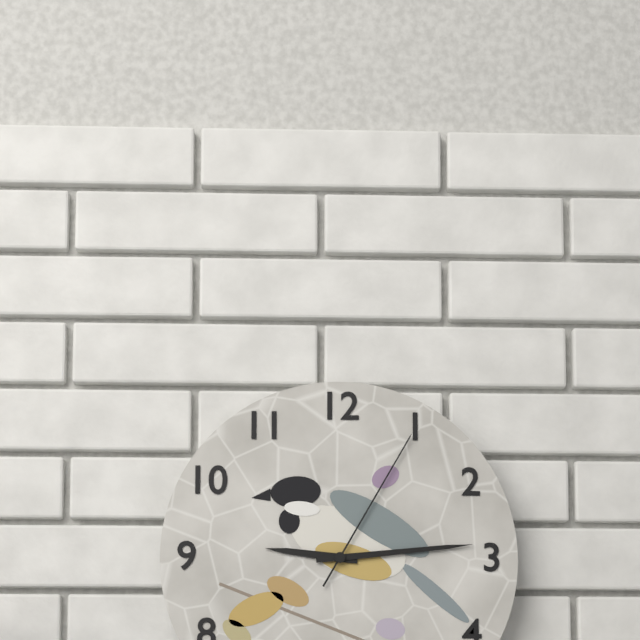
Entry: h=9 m=14 s=5
